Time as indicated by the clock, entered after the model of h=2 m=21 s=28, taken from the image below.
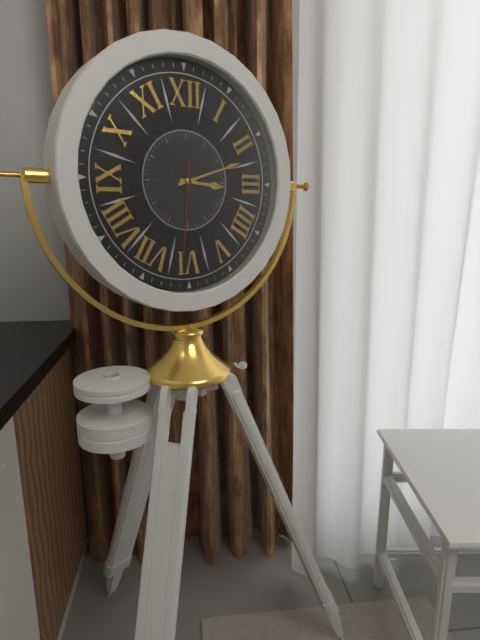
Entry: h=3 m=12 s=31
